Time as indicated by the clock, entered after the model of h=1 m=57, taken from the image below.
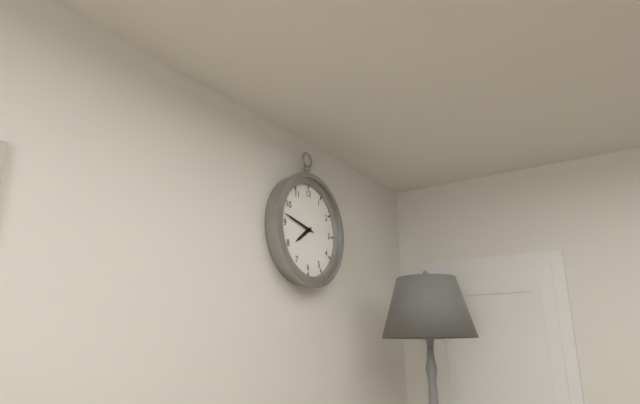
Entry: h=7 m=47
